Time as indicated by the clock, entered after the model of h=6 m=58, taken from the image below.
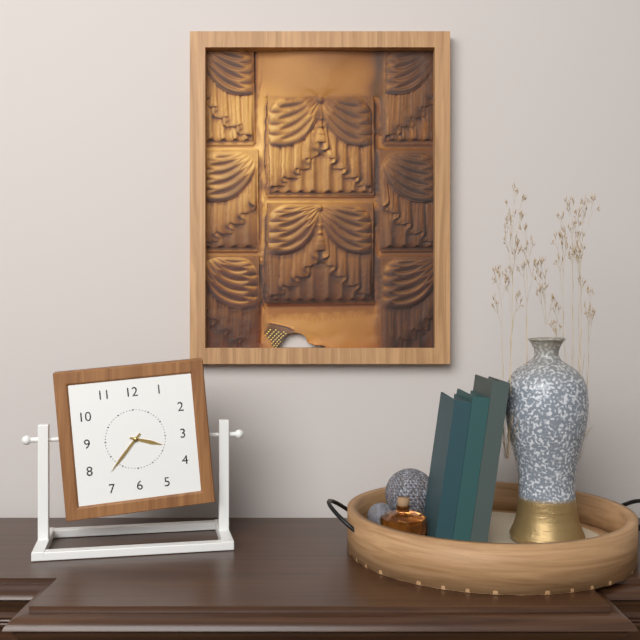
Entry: h=3 m=37
